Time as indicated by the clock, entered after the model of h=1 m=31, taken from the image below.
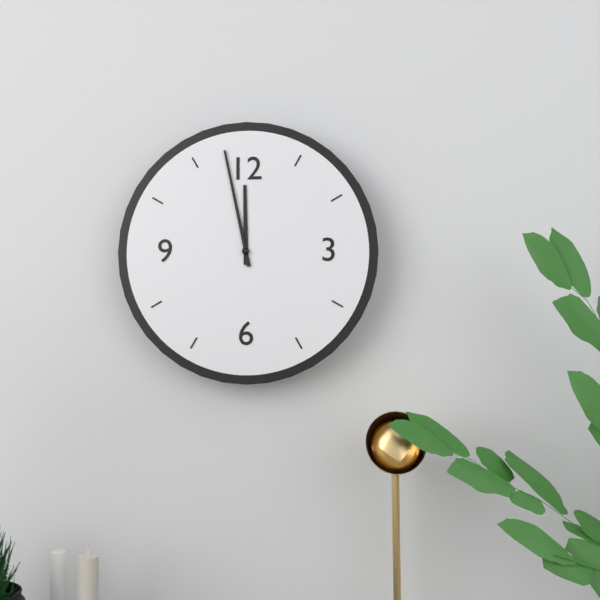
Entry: h=11 m=58
